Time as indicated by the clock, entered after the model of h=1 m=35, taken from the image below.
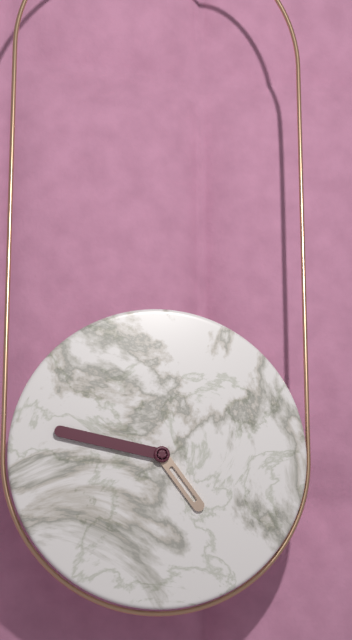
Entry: h=4 m=47
